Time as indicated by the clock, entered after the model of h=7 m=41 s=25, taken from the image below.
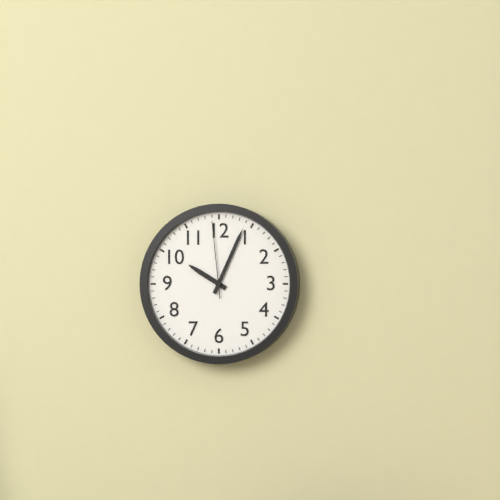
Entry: h=10 m=4 s=59
